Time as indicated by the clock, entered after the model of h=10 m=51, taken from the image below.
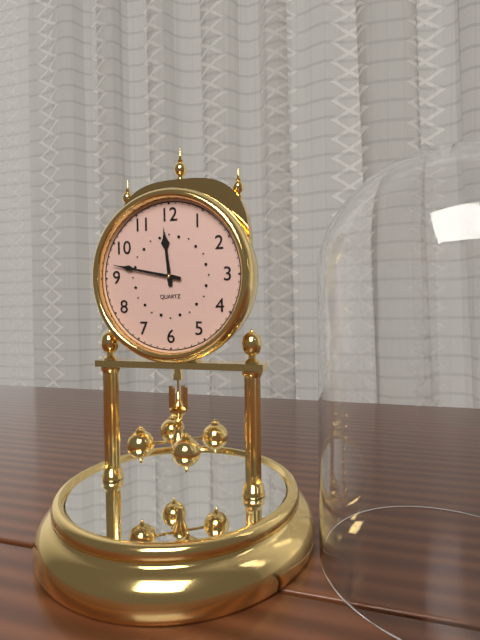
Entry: h=11 m=47
